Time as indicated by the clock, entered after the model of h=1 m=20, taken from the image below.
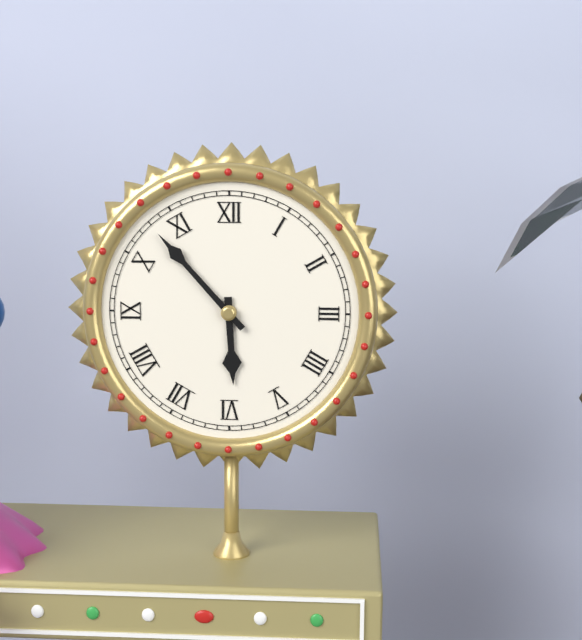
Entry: h=5 m=53
